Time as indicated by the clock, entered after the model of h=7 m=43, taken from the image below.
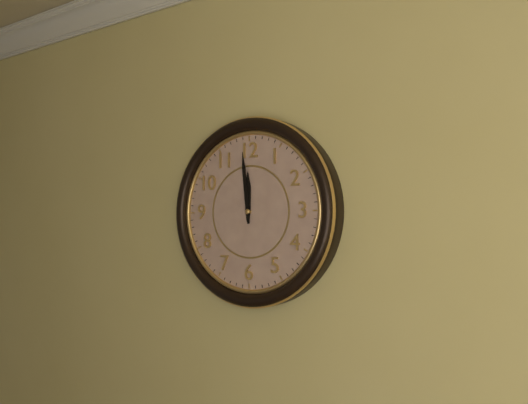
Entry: h=11 m=59
